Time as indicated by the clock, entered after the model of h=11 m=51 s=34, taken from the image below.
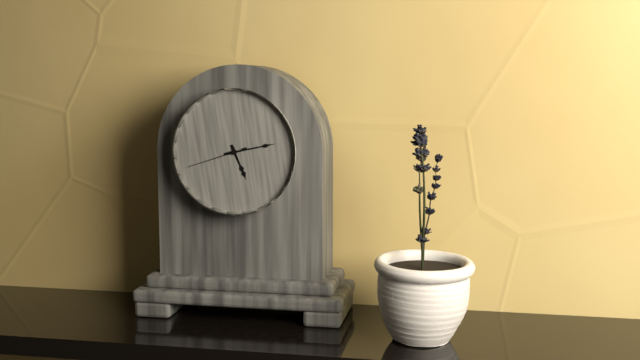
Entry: h=5 m=13 s=42
